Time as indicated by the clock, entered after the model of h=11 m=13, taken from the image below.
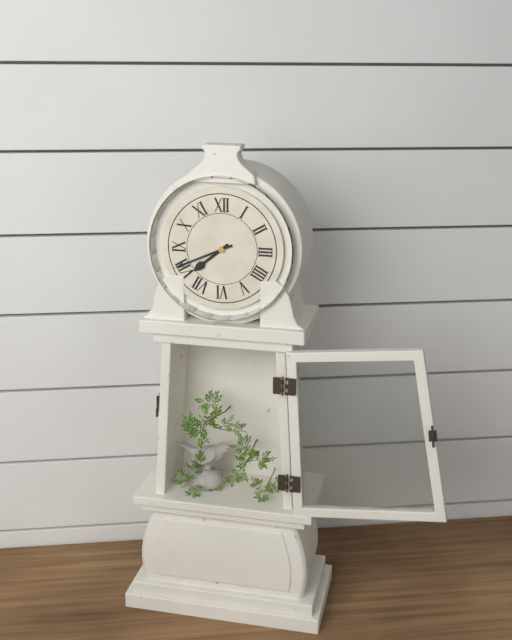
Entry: h=7 m=41
